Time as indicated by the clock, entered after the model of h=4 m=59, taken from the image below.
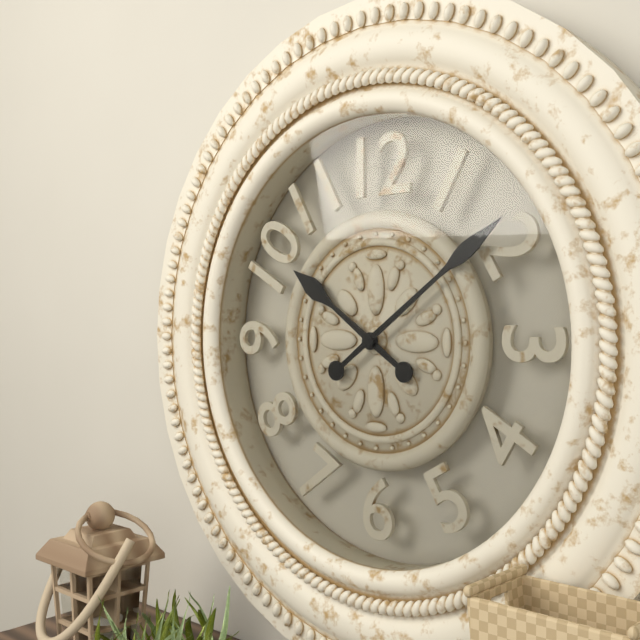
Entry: h=10 m=9
